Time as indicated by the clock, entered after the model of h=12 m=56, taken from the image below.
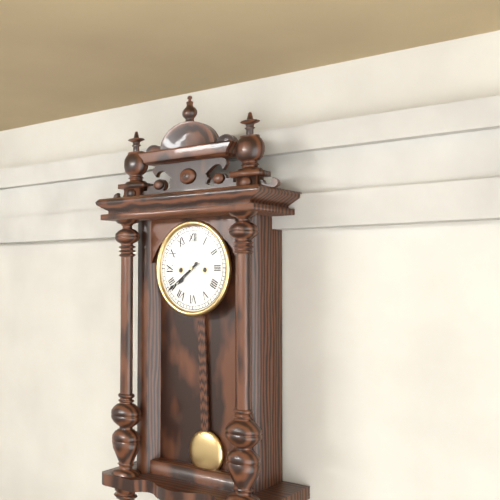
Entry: h=7 m=39
